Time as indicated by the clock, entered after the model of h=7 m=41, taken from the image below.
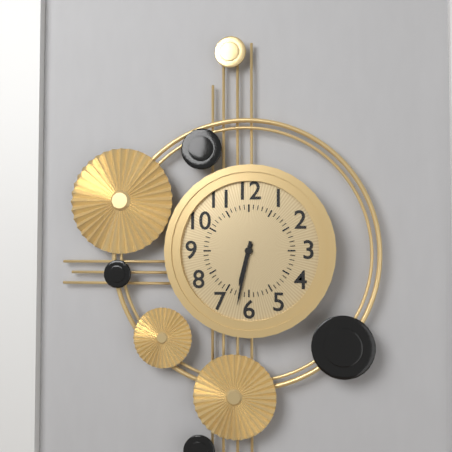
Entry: h=6 m=32
